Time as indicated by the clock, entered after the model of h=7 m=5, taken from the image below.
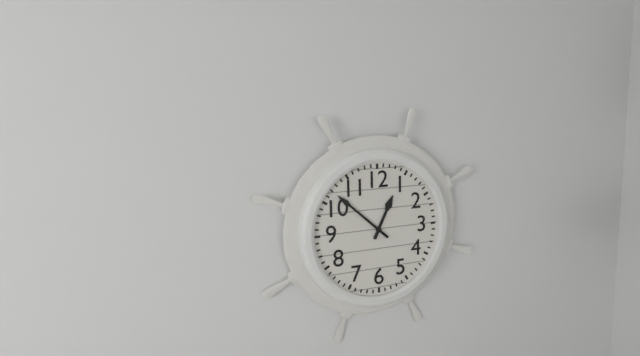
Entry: h=12 m=52
